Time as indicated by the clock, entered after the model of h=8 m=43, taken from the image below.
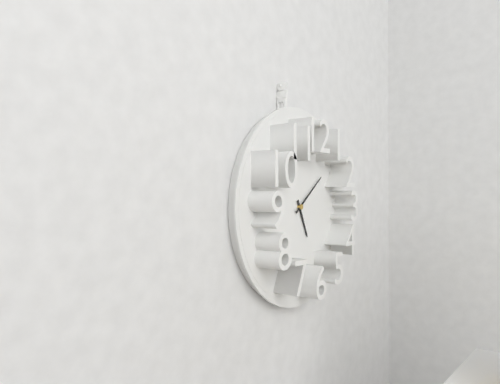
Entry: h=5 m=9
